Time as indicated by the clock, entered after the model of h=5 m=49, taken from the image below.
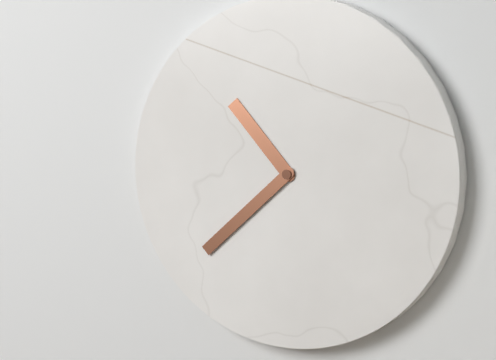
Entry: h=10 m=38
